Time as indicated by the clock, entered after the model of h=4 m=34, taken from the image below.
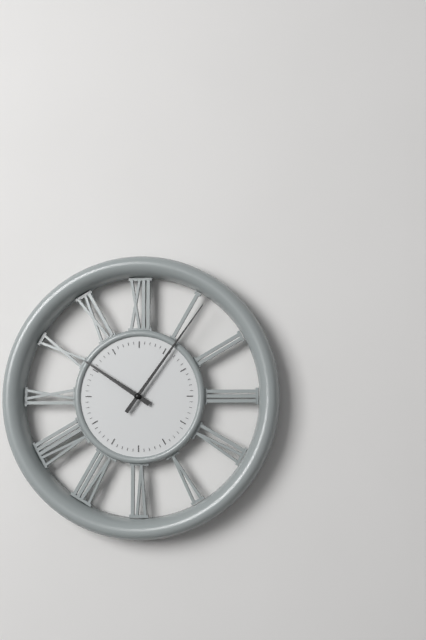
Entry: h=10 m=6
